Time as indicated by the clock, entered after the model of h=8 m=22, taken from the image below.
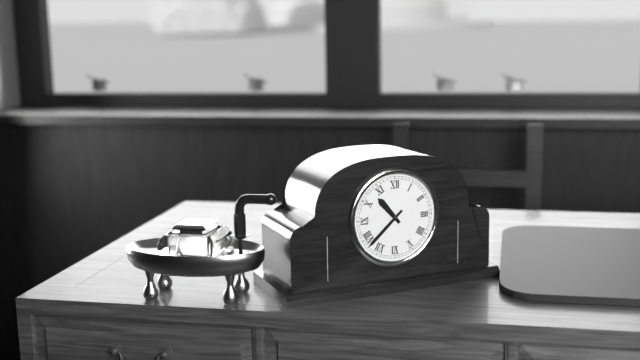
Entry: h=10 m=38
